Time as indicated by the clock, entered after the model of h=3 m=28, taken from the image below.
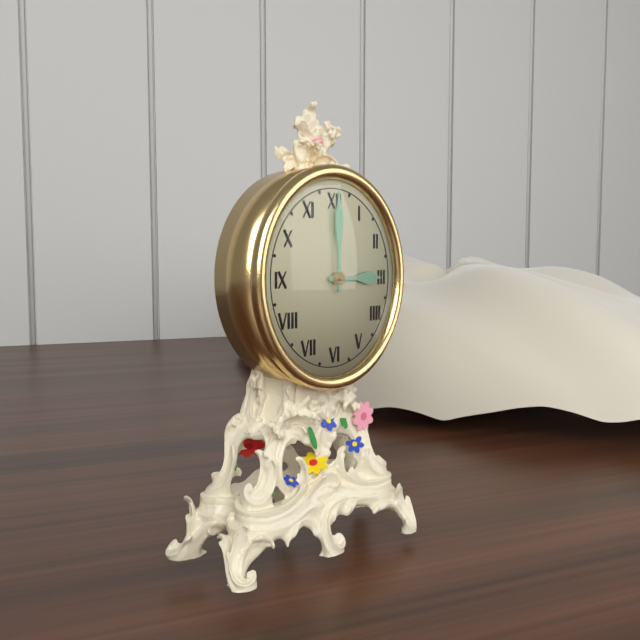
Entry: h=3 m=0
